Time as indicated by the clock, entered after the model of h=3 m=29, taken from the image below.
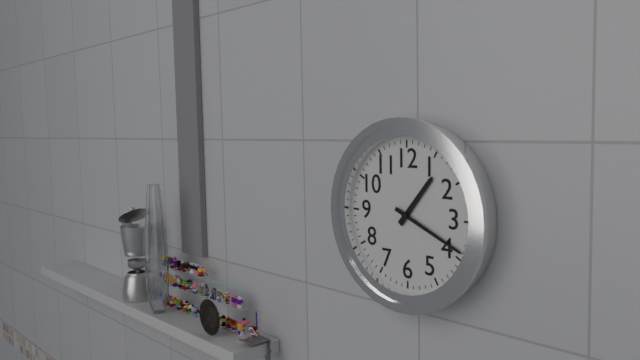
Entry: h=1 m=19
